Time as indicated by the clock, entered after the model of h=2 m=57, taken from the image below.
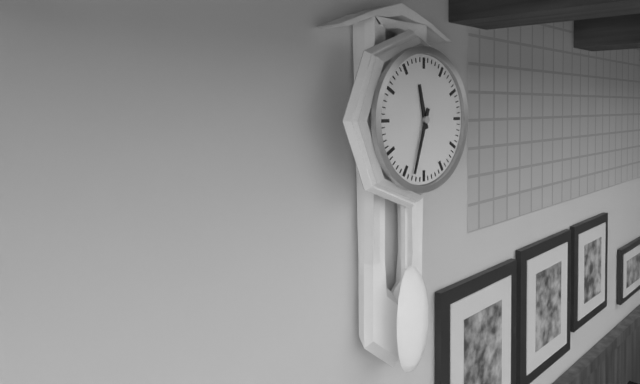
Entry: h=11 m=33
